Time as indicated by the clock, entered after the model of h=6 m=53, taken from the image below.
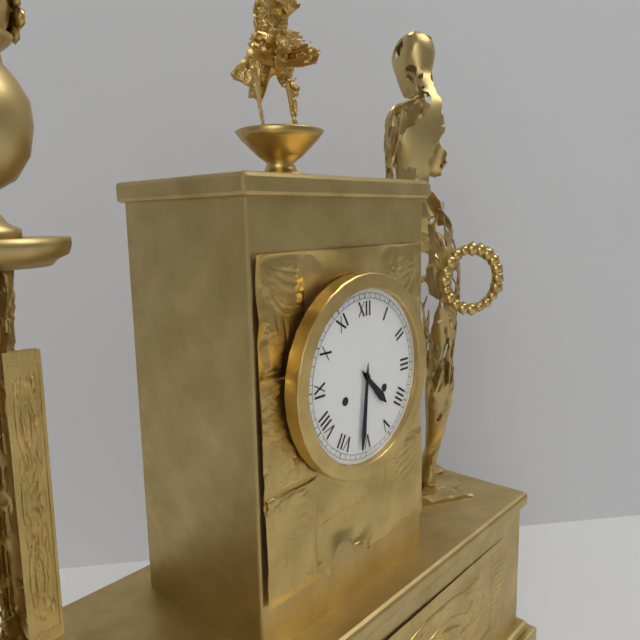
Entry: h=4 m=31
